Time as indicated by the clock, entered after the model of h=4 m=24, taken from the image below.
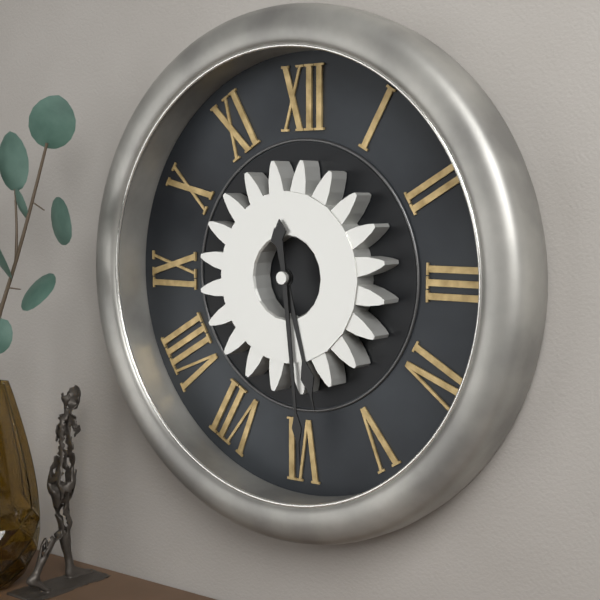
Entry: h=5 m=29
